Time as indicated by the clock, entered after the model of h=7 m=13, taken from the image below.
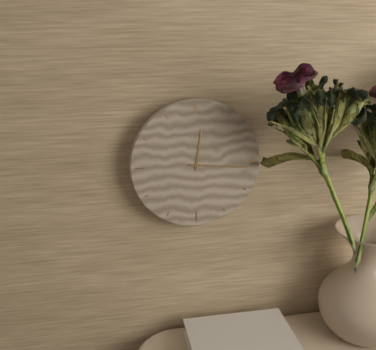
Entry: h=12 m=16
